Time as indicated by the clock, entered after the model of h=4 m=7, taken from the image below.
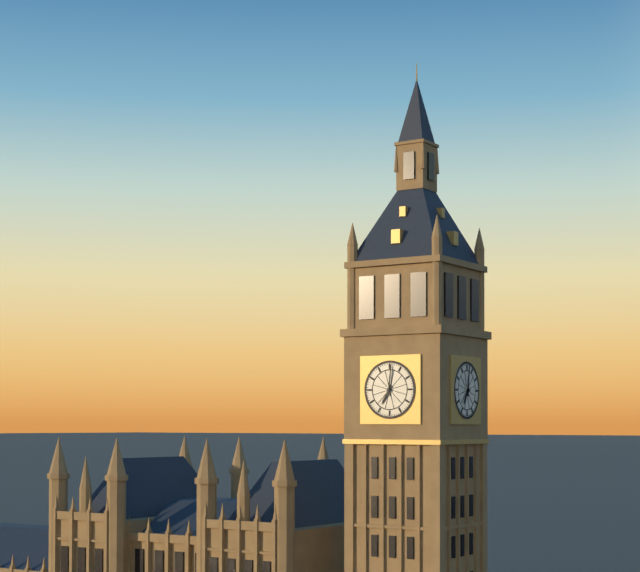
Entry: h=7 m=1
